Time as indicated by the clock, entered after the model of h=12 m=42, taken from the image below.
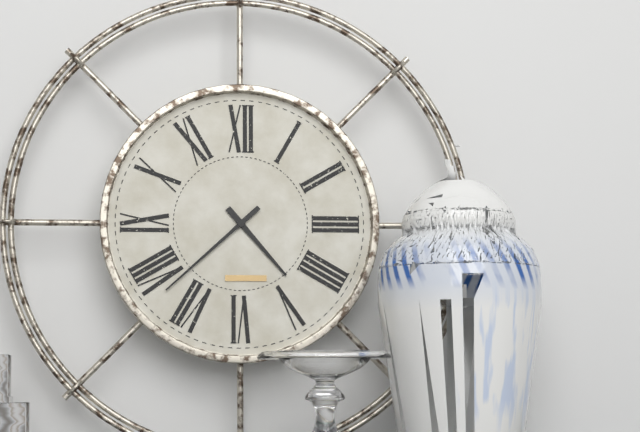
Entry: h=4 m=38
